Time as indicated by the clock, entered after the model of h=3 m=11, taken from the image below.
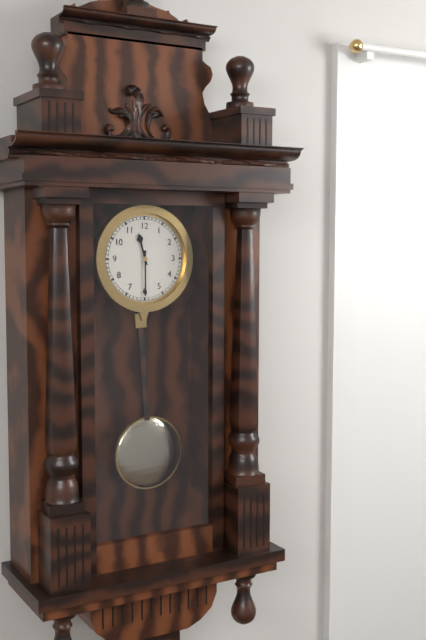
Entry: h=11 m=30
